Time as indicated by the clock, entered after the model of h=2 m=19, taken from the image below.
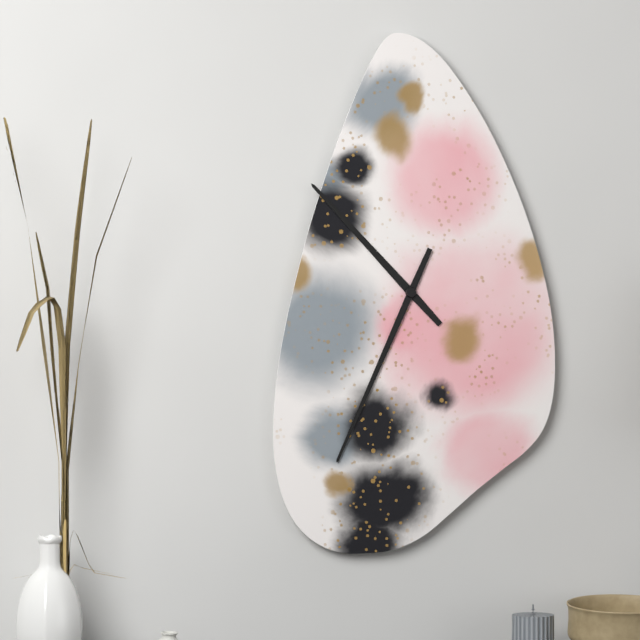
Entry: h=10 m=34
